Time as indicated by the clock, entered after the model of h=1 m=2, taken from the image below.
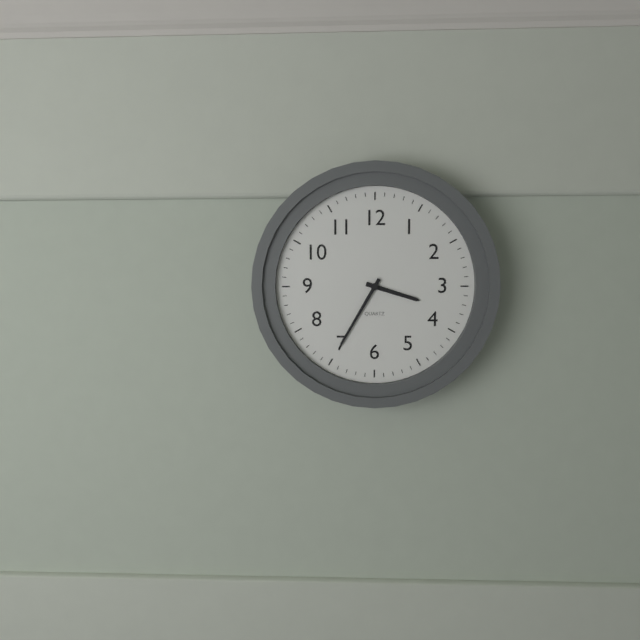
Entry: h=3 m=35
